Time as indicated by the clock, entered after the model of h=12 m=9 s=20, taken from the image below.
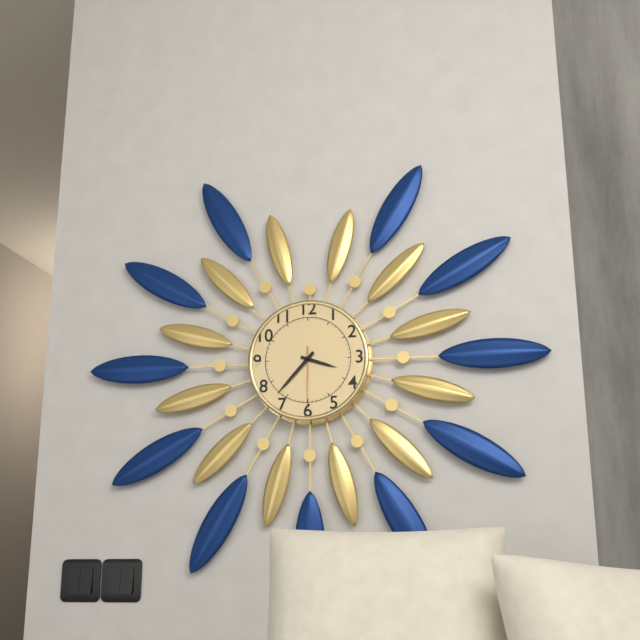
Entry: h=3 m=37 s=30
